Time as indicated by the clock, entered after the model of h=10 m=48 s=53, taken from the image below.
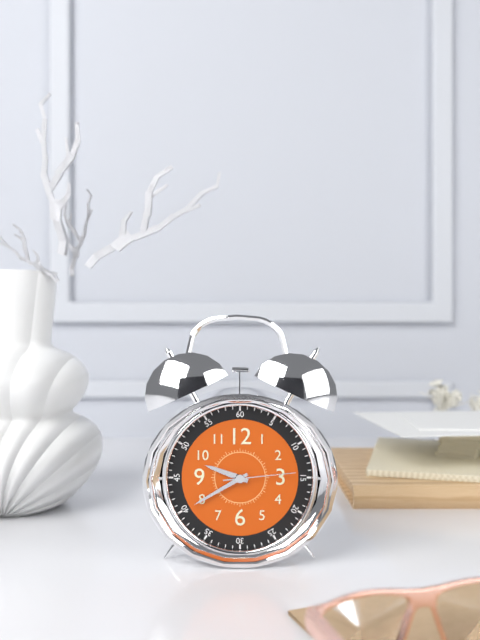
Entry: h=9 m=40 s=14
